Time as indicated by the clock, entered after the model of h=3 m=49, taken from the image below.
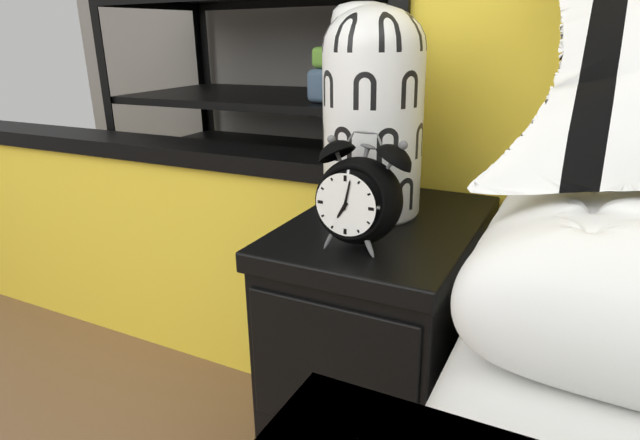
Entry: h=7 m=2
